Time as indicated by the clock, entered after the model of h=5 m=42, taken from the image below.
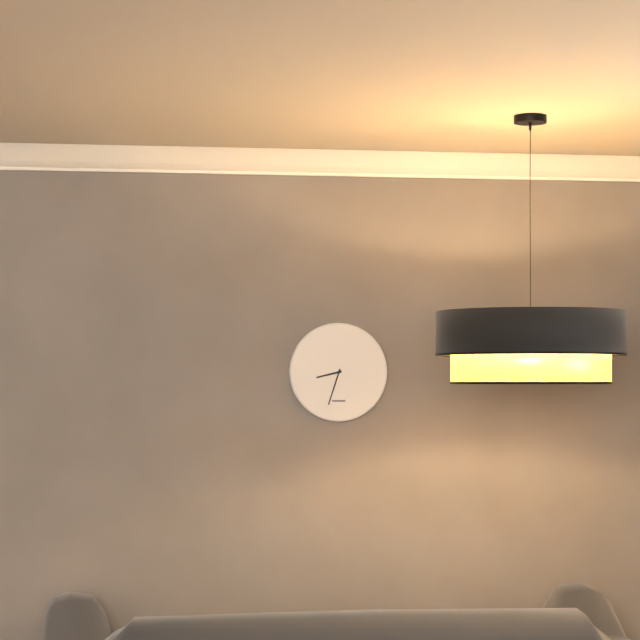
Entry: h=8 m=33
